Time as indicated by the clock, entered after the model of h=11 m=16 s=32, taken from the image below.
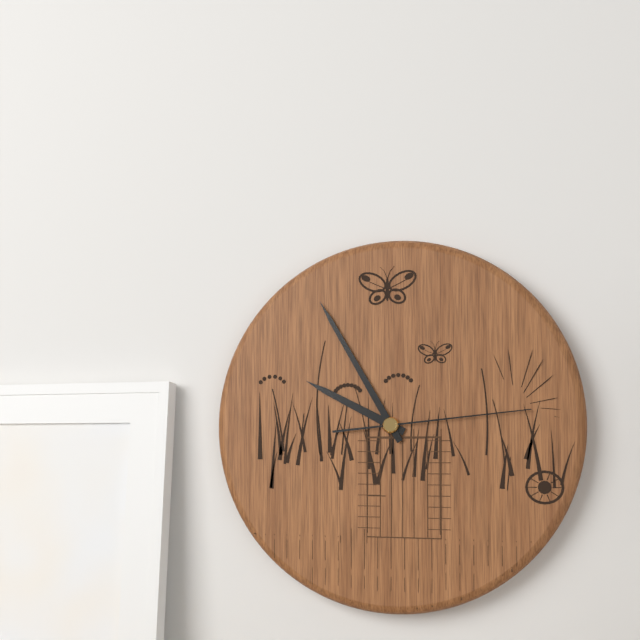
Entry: h=9 m=55 s=14
